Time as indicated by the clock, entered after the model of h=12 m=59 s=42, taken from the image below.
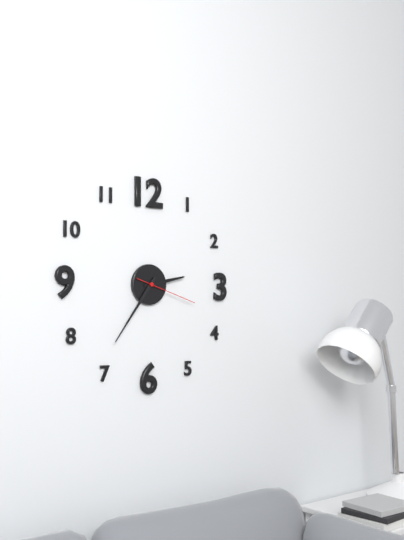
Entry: h=2 m=36 s=18
